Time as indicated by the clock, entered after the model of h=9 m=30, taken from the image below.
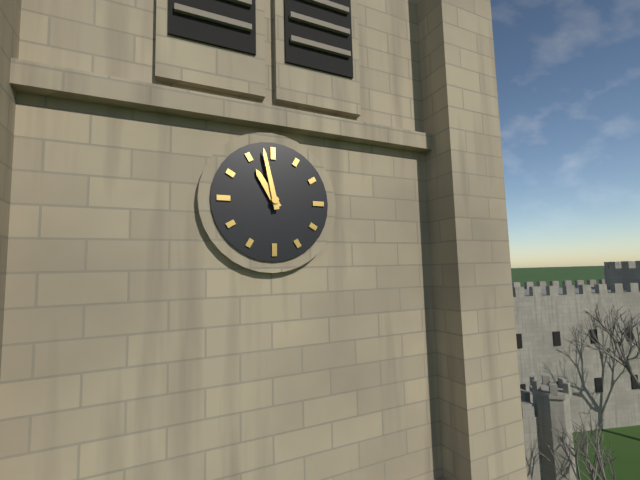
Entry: h=10 m=58
